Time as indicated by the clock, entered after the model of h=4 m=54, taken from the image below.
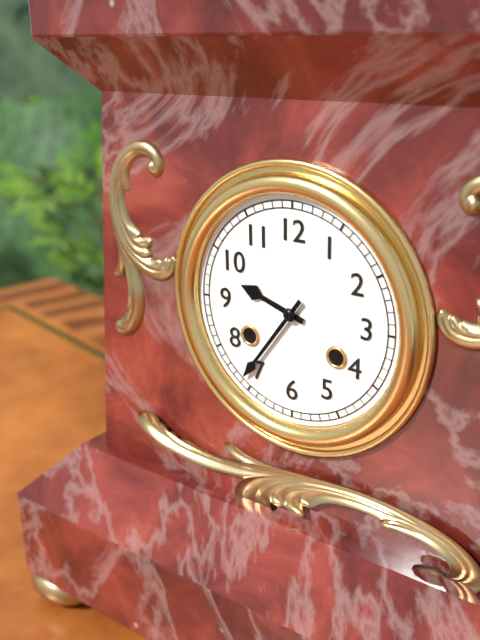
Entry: h=9 m=36
